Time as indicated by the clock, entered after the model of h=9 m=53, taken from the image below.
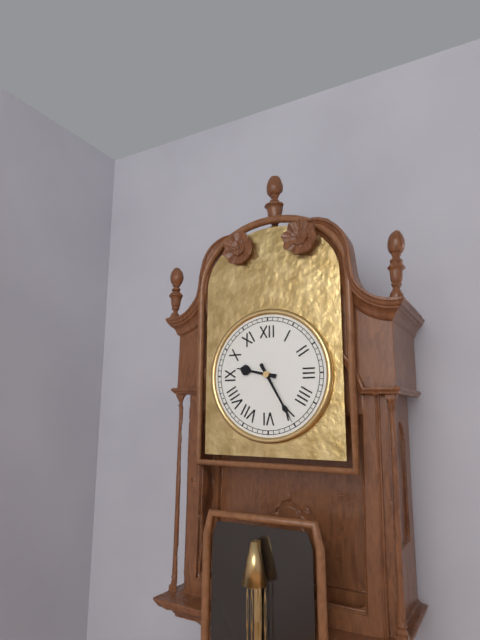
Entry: h=9 m=25
